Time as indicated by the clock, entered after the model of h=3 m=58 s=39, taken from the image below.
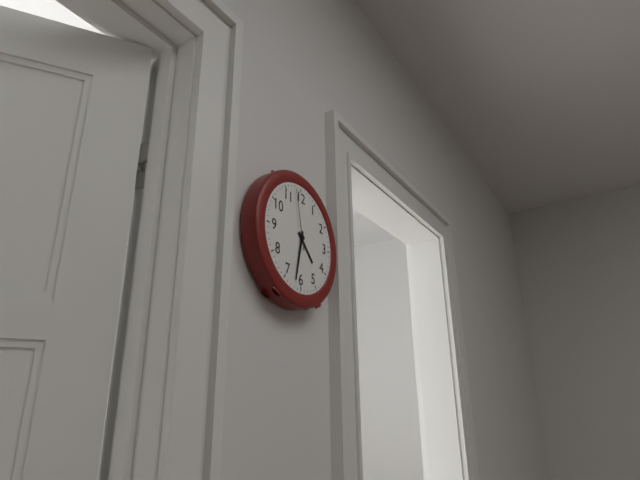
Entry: h=4 m=32 s=58
